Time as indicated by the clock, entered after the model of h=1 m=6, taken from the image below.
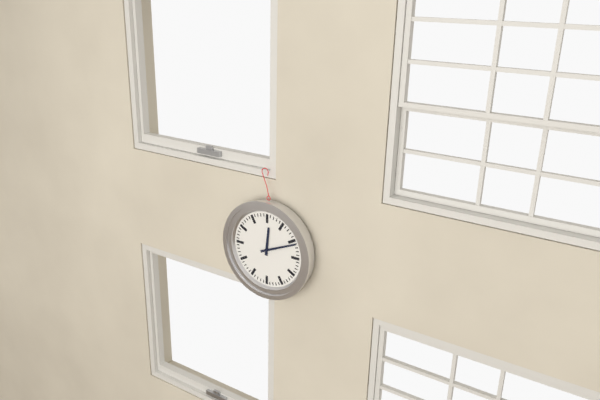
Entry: h=12 m=11
